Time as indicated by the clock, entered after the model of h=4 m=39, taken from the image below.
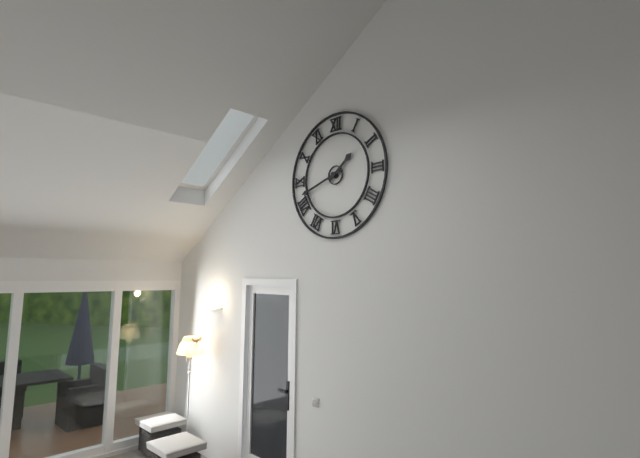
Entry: h=1 m=42
